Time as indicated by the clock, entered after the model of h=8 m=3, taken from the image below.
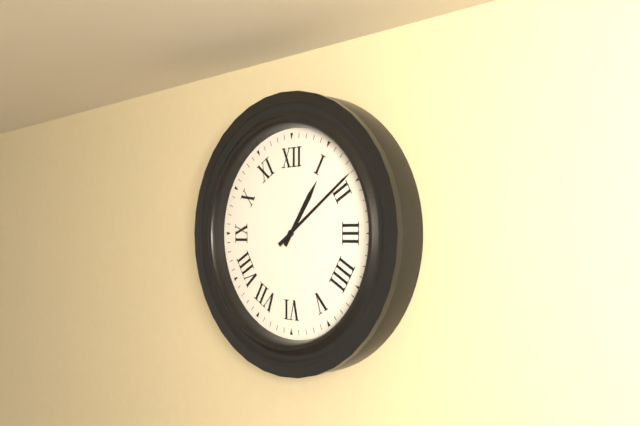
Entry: h=1 m=9
